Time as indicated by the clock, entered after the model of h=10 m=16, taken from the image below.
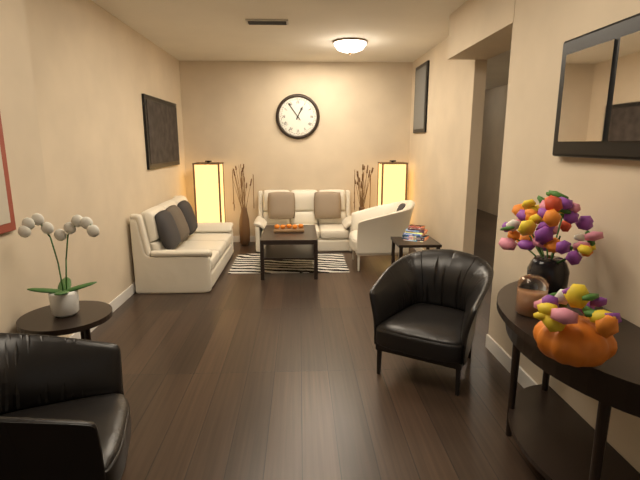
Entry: h=12 m=54
